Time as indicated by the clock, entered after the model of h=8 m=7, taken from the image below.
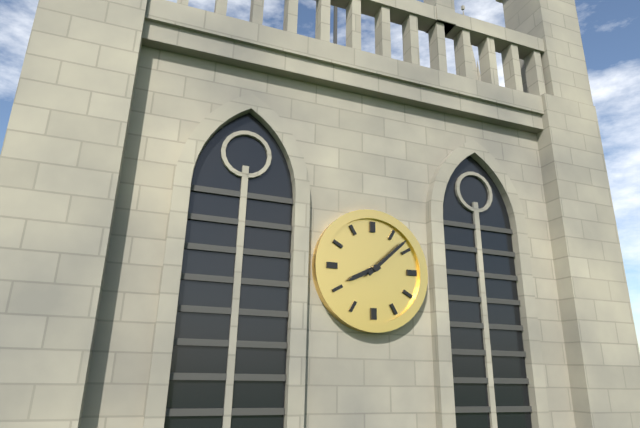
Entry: h=8 m=8
